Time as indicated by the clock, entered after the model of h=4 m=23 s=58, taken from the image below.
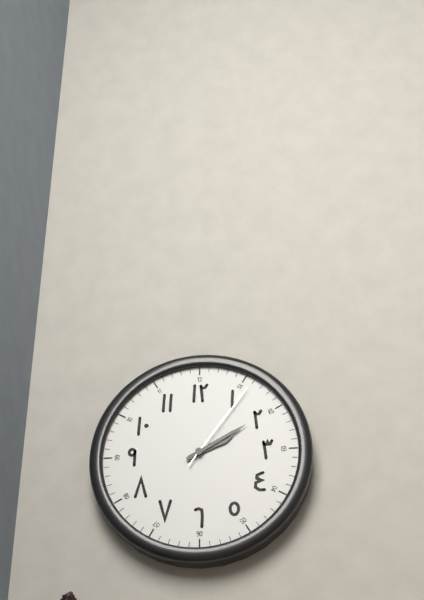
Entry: h=2 m=10 s=6
